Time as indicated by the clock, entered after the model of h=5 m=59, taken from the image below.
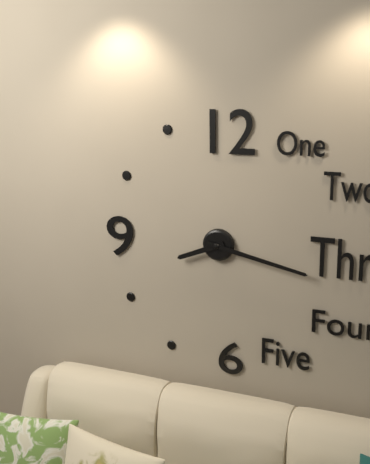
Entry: h=8 m=17
